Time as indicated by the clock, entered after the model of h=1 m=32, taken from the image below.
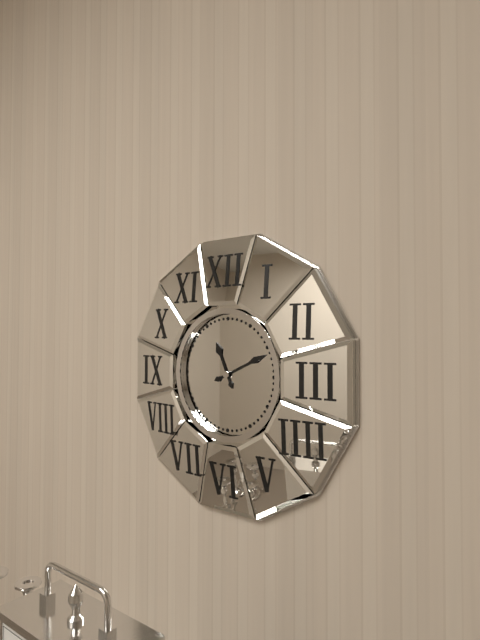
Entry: h=11 m=11
